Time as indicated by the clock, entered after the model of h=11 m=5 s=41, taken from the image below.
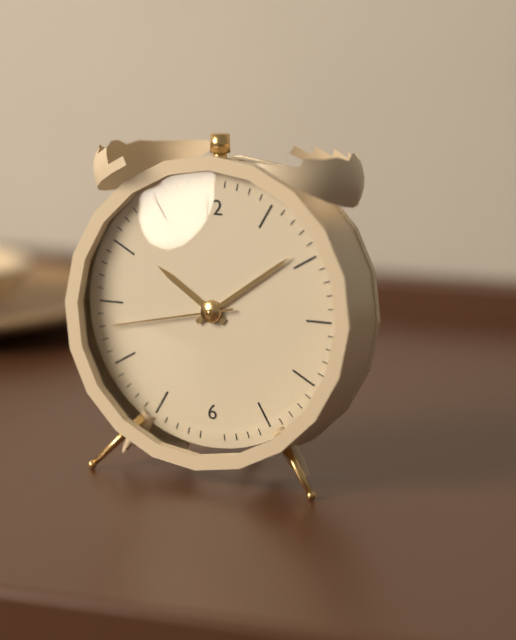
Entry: h=10 m=9 s=43
